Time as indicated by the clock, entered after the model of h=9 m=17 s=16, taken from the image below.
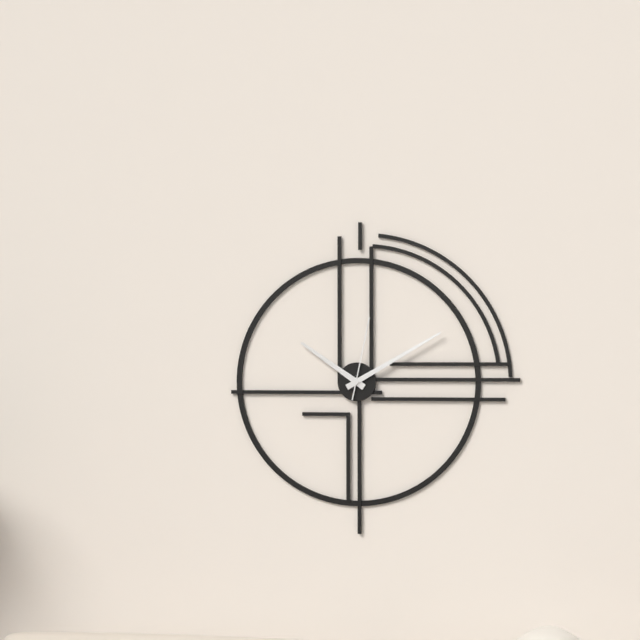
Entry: h=10 m=10 s=2
